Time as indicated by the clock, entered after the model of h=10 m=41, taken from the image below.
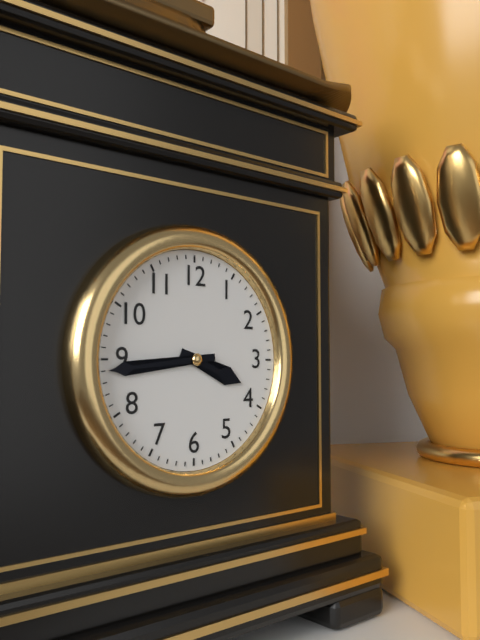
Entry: h=3 m=44
